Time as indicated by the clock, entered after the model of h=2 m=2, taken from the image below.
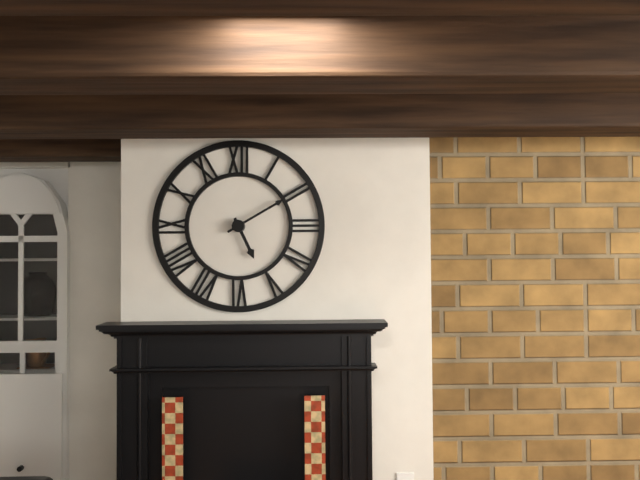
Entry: h=5 m=10
